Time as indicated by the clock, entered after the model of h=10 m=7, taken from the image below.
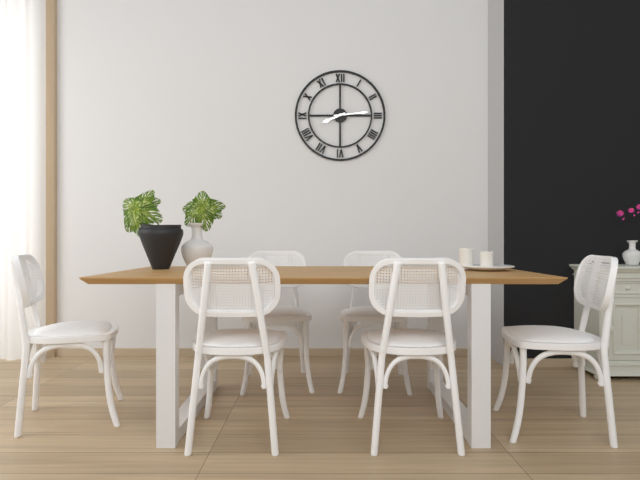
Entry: h=8 m=14
